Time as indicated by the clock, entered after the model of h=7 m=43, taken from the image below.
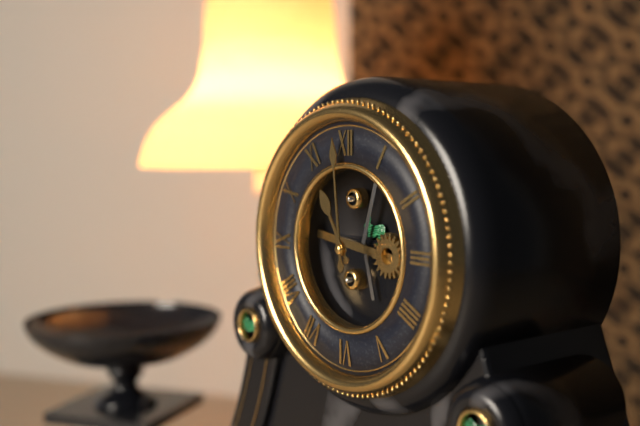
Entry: h=10 m=59
